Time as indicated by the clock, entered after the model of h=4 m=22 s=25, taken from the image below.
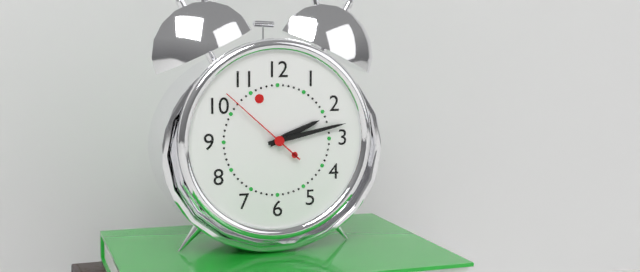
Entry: h=2 m=13 s=52
